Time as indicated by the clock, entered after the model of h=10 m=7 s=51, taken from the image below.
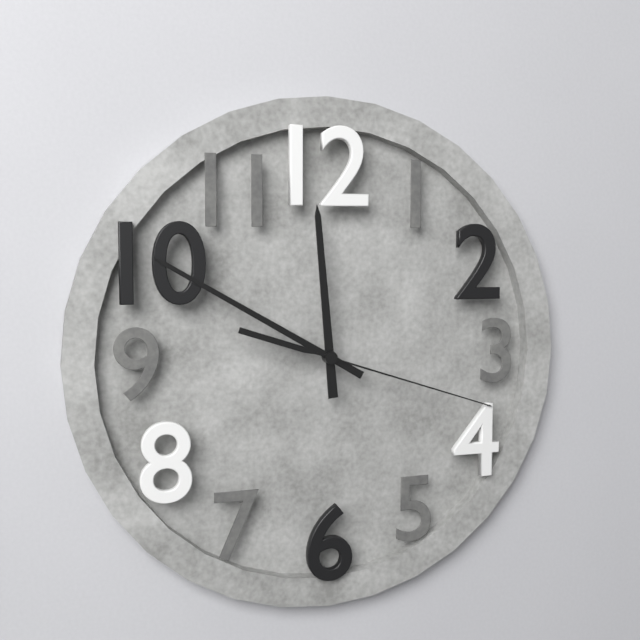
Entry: h=11 m=50 s=18
